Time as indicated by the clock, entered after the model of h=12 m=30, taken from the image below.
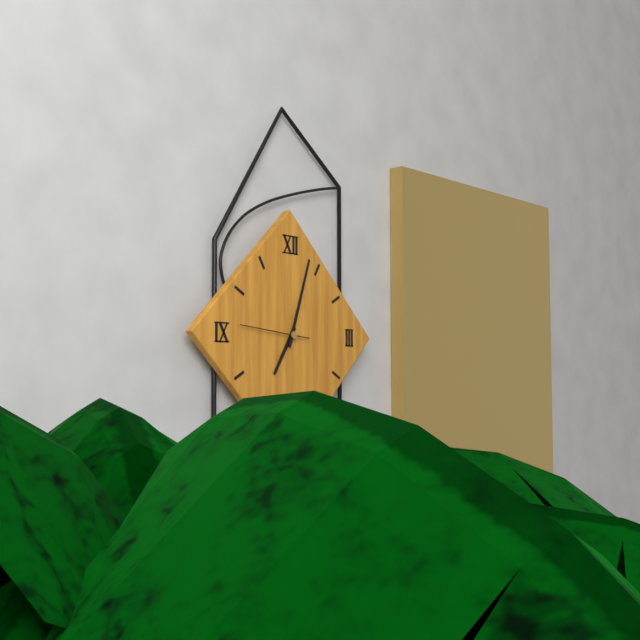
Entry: h=7 m=3
